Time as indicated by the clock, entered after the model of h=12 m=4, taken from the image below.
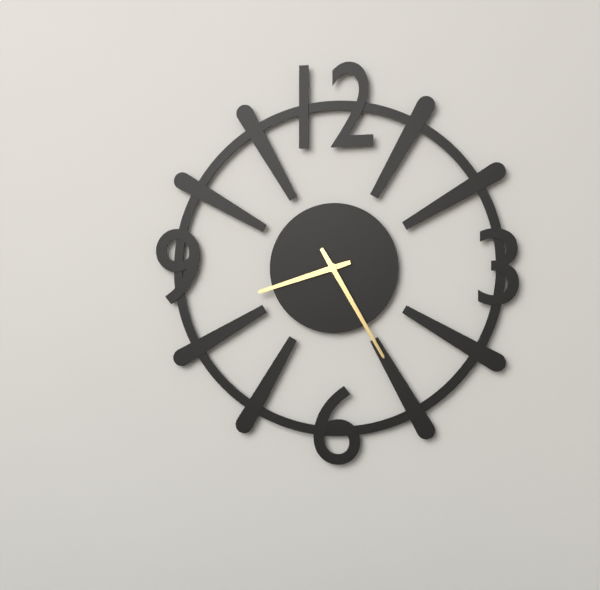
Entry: h=8 m=25
